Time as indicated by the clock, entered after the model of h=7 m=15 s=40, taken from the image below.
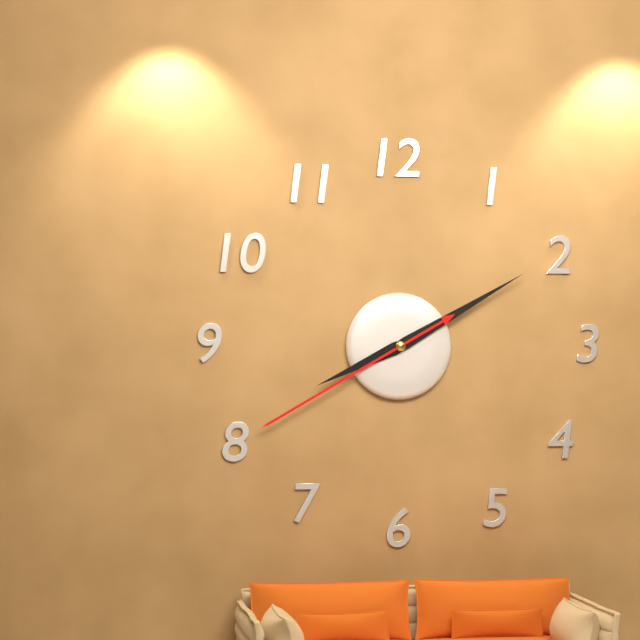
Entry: h=8 m=10 s=40
